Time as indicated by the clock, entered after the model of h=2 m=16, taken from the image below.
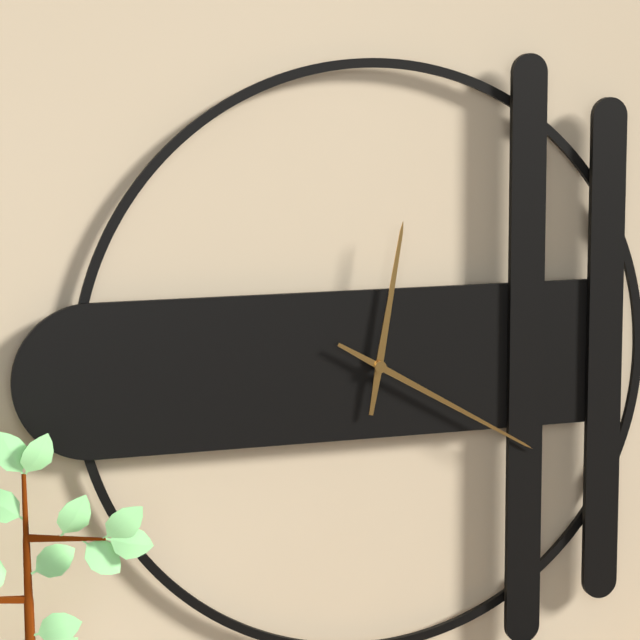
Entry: h=12 m=20
